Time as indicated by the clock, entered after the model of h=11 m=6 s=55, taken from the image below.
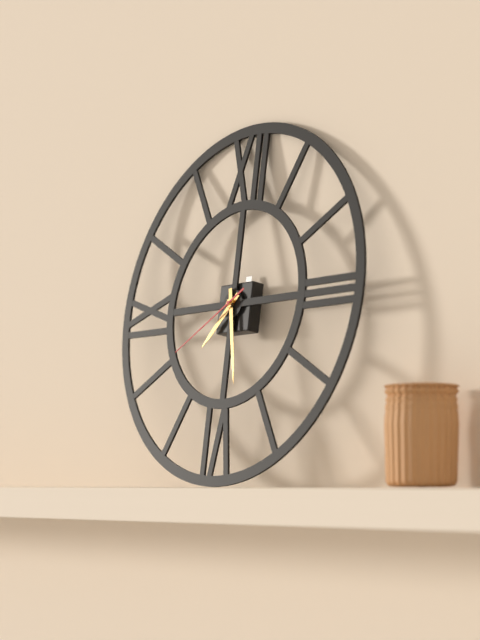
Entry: h=7 m=28 s=40
